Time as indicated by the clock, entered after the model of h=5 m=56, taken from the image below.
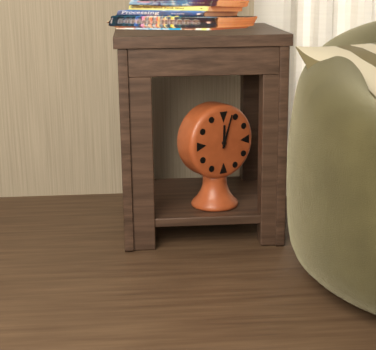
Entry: h=12 m=3
